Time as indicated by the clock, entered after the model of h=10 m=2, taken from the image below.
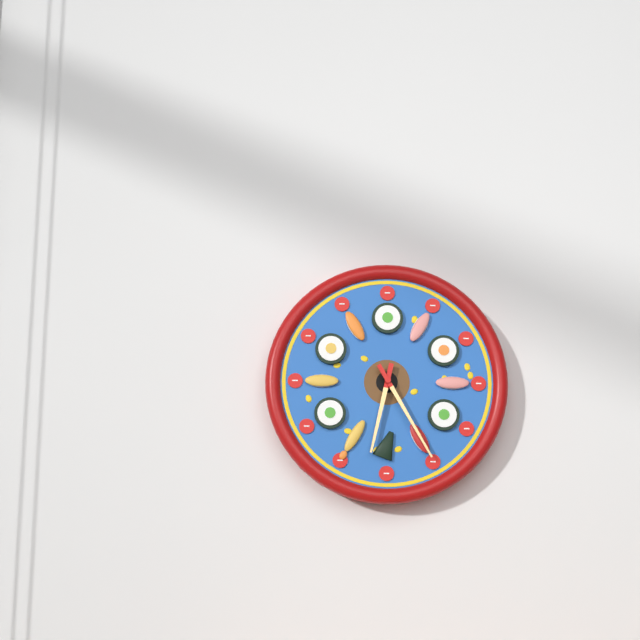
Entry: h=6 m=25
